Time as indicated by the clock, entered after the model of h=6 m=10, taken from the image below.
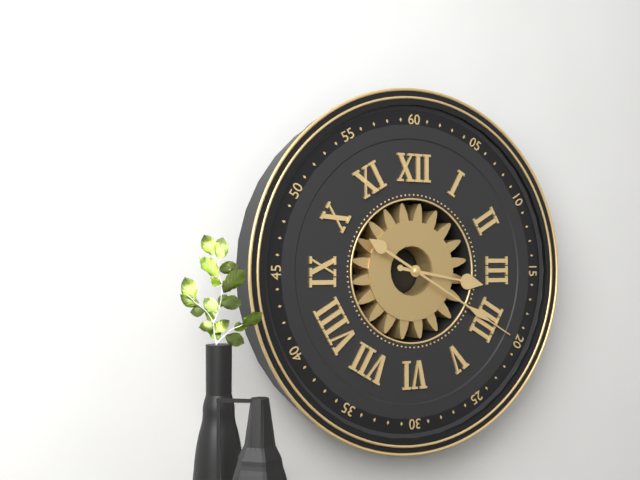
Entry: h=3 m=20
